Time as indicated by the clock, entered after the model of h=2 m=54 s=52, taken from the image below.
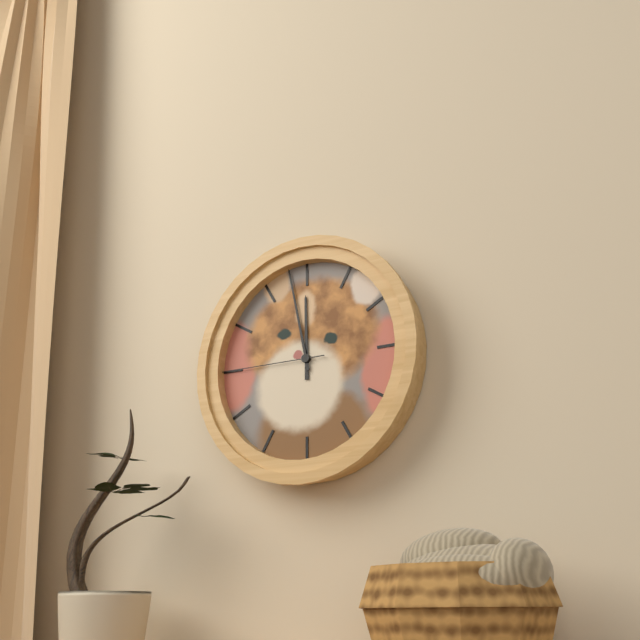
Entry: h=11 m=58 s=45
